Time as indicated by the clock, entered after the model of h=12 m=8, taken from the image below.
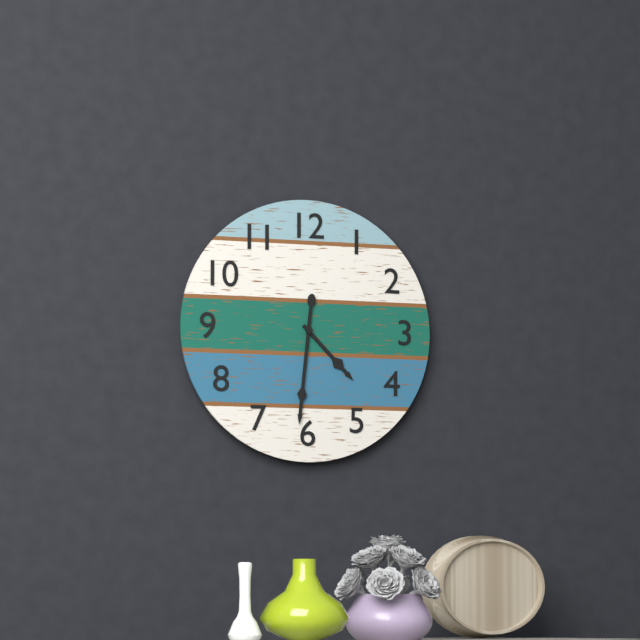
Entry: h=4 m=31
